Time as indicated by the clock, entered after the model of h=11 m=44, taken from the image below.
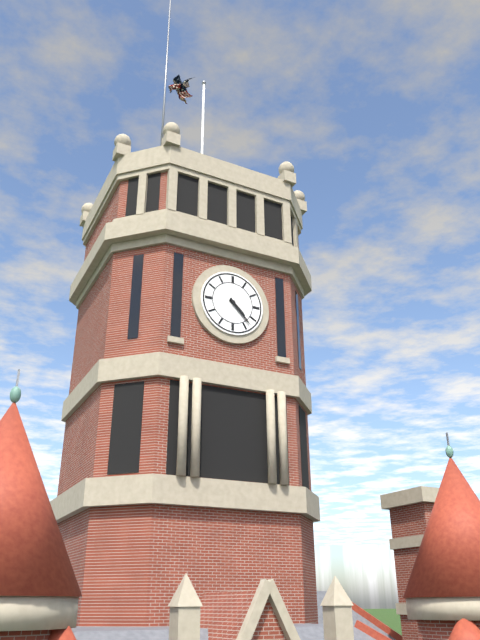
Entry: h=4 m=23
